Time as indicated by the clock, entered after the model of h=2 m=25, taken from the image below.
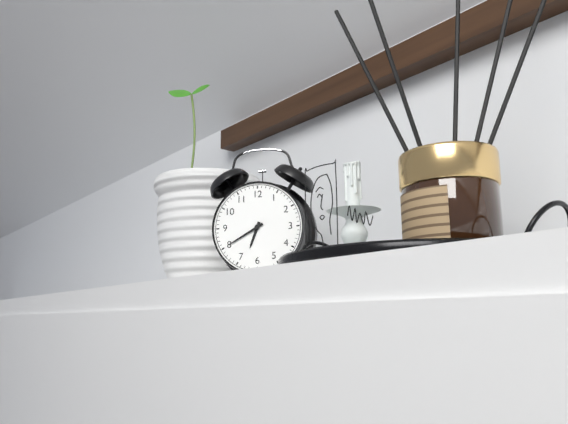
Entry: h=6 m=40
